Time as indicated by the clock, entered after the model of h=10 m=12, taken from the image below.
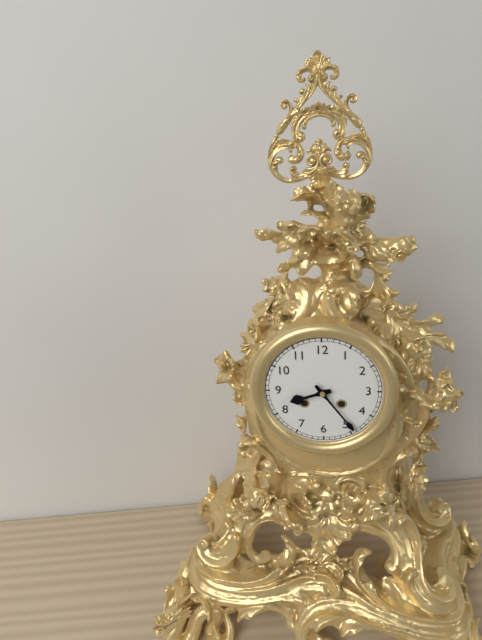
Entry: h=8 m=24
